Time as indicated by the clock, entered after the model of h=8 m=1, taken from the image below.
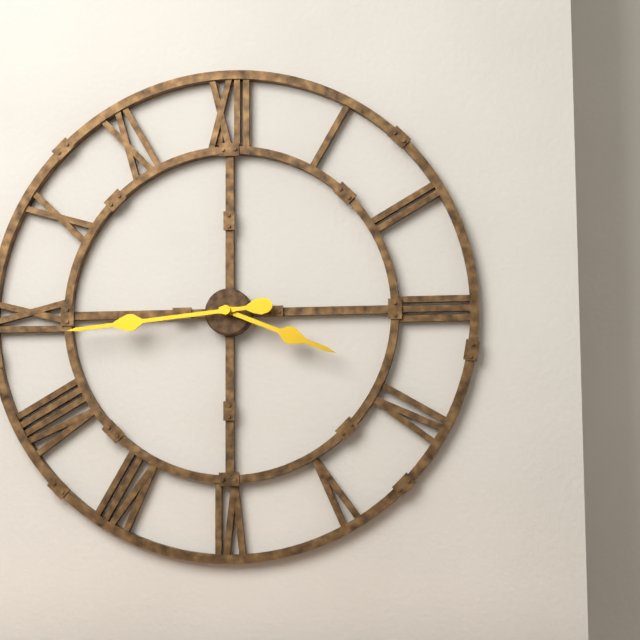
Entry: h=3 m=44
